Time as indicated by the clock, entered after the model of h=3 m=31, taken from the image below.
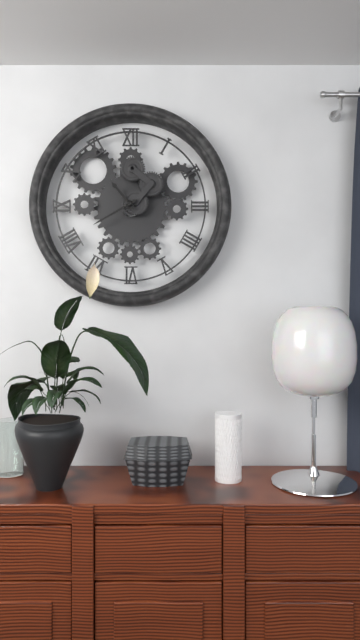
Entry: h=10 m=40
